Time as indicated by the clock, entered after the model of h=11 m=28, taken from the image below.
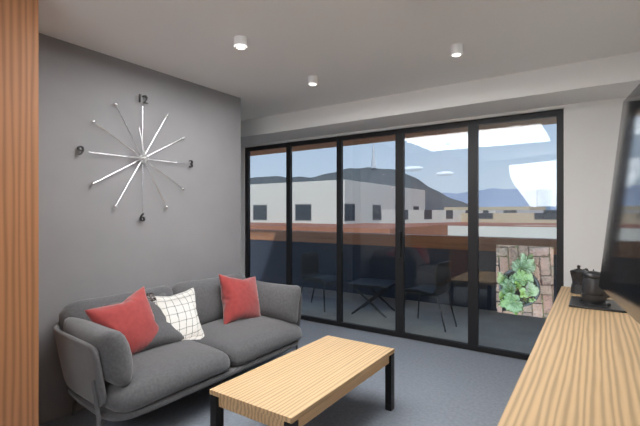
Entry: h=8 m=58
